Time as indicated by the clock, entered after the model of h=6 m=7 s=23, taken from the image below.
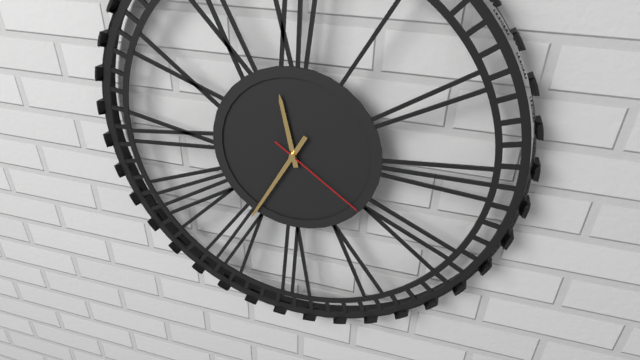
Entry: h=11 m=35 s=21
